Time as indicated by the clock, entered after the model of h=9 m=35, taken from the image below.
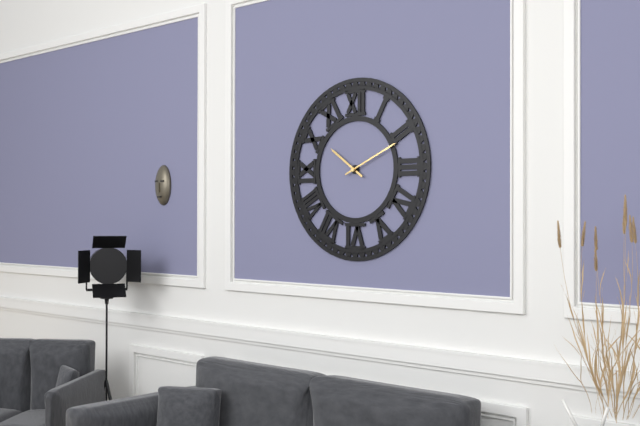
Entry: h=10 m=11
